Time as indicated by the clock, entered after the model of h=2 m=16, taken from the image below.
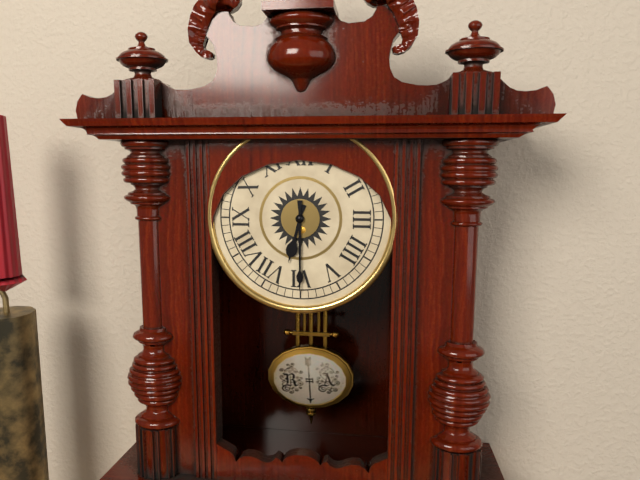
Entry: h=6 m=30
